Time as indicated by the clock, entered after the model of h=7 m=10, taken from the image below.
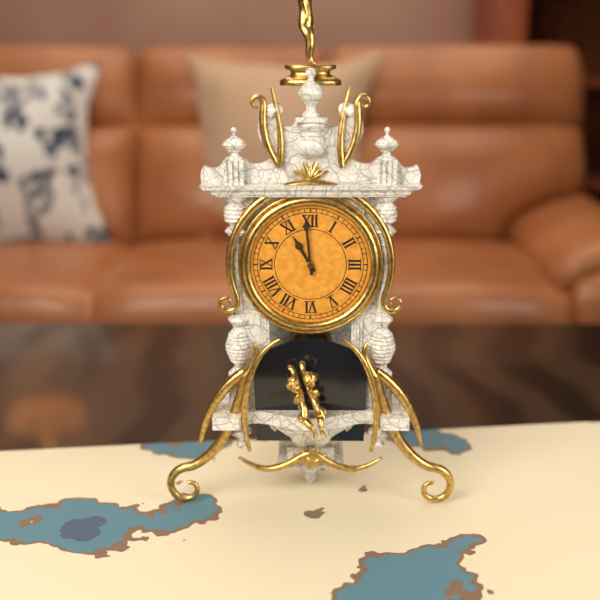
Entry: h=10 m=59
